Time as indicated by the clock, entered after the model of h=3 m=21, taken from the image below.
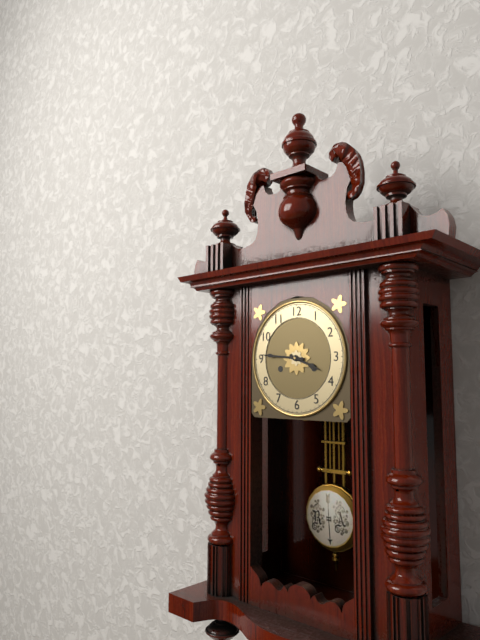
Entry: h=3 m=46
